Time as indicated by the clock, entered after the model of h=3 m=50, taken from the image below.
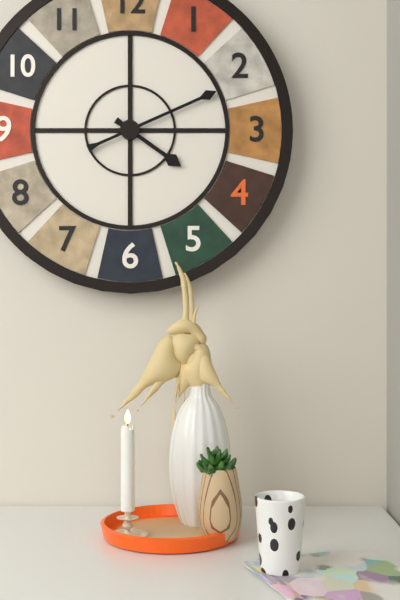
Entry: h=4 m=11
